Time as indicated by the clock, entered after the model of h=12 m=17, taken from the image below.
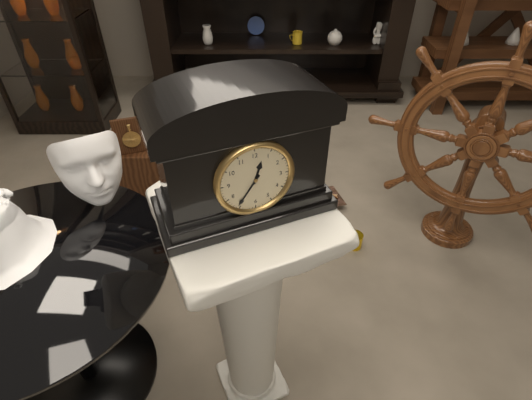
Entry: h=12 m=36
